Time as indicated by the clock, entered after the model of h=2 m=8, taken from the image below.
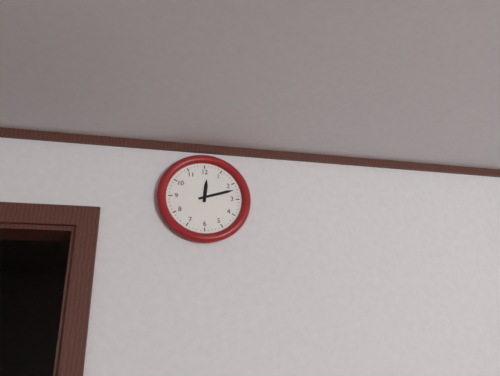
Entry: h=12 m=12
